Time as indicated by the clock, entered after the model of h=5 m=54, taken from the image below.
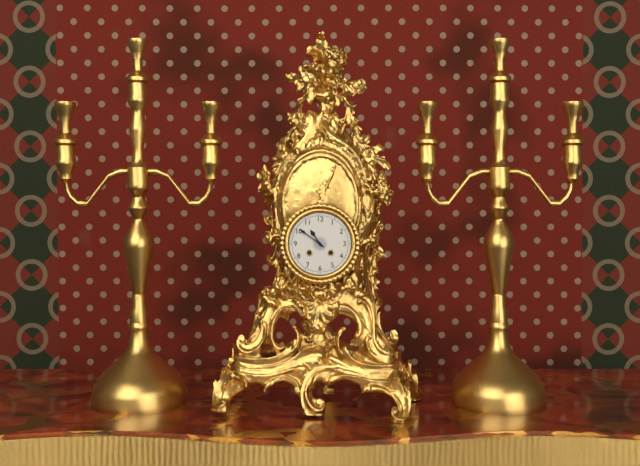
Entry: h=10 m=51
